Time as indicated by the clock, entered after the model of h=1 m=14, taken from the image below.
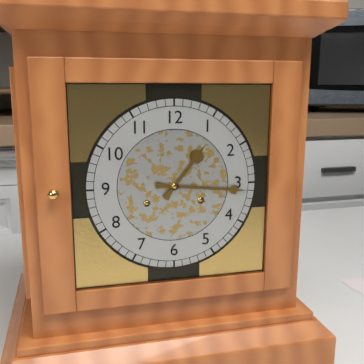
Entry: h=1 m=16
